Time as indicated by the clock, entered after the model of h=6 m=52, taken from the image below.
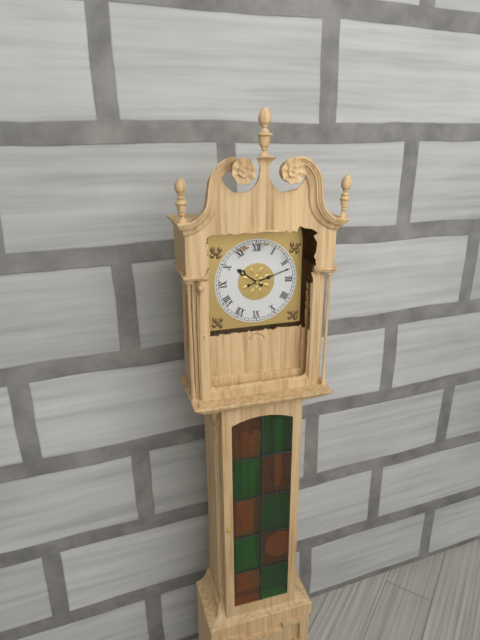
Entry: h=10 m=12
